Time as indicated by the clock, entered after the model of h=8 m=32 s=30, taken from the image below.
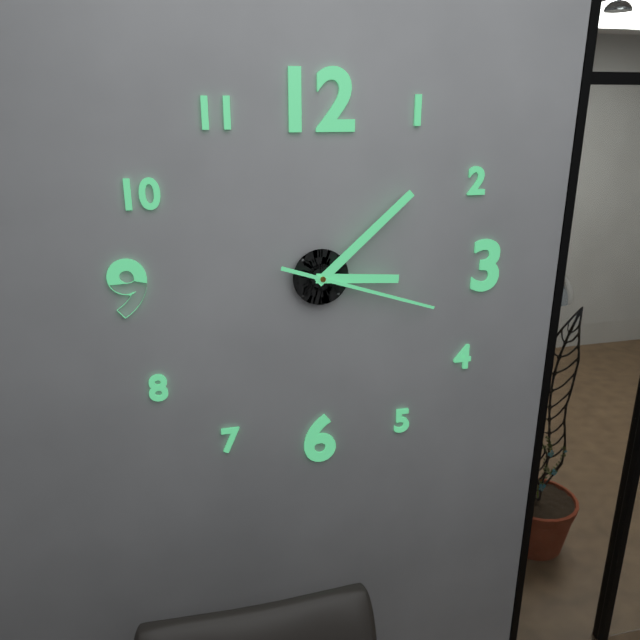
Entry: h=3 m=8 s=18
